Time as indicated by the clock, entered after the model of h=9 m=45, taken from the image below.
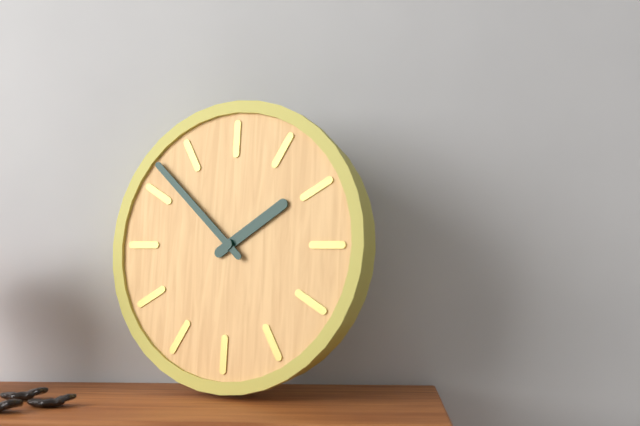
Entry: h=1 m=52
